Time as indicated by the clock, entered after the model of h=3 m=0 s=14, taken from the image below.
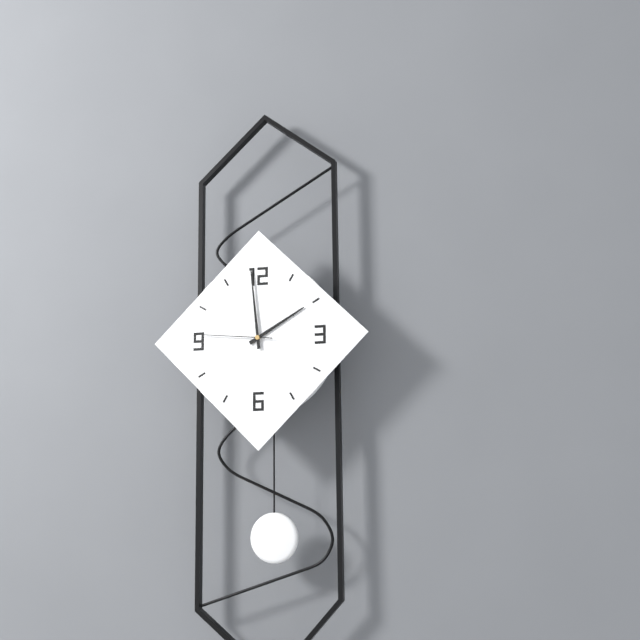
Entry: h=1 m=59 s=46
